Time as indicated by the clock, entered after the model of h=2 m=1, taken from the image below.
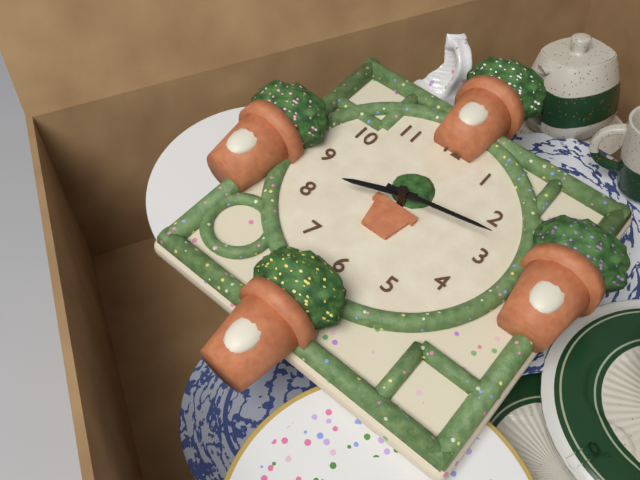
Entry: h=8 m=13
